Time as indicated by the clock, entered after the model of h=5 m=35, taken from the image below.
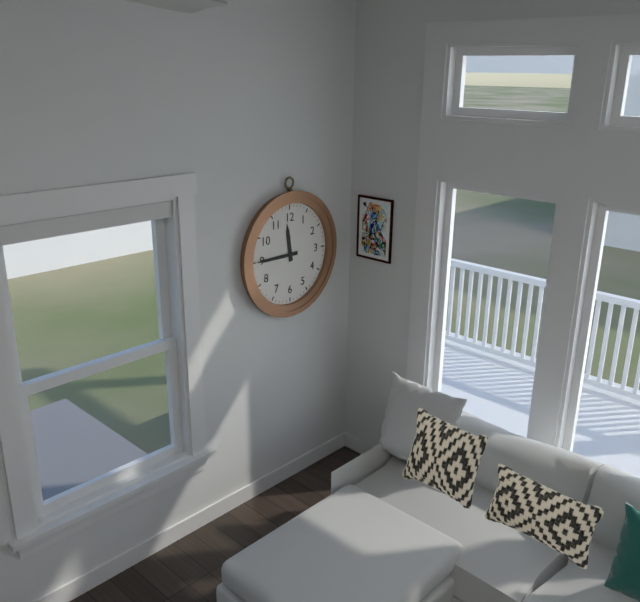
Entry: h=11 m=45
